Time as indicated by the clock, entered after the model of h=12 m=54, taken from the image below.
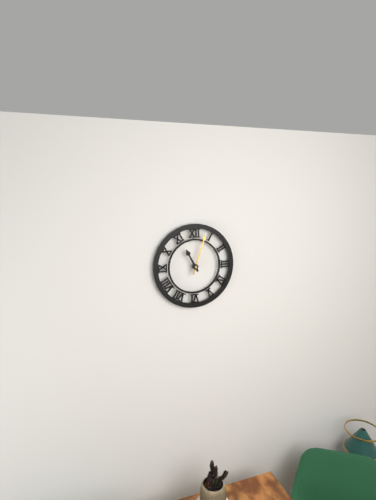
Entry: h=11 m=3
